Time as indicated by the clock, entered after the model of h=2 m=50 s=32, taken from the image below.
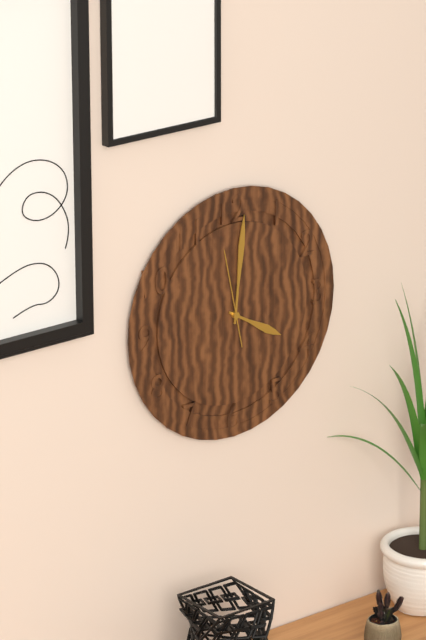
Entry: h=4 m=1 s=58
